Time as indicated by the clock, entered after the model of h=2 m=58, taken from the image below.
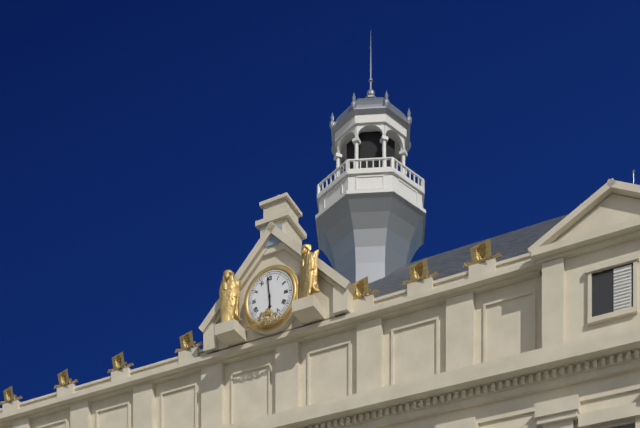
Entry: h=5 m=59
